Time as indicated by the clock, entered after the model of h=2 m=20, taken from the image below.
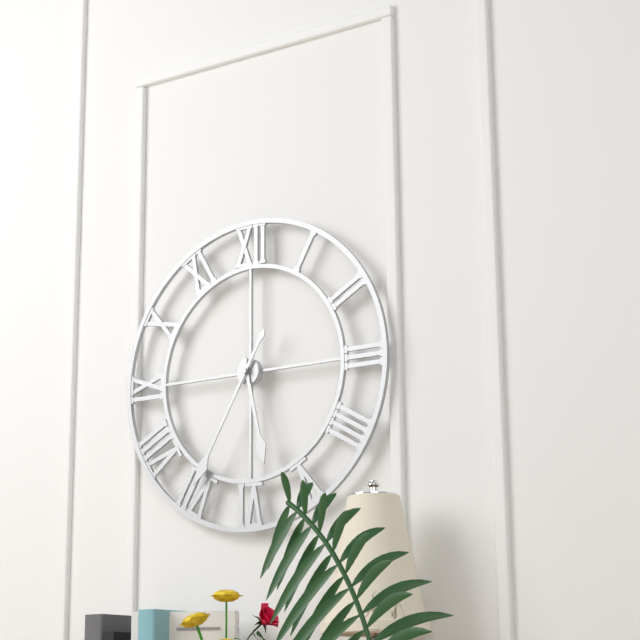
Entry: h=5 m=35
